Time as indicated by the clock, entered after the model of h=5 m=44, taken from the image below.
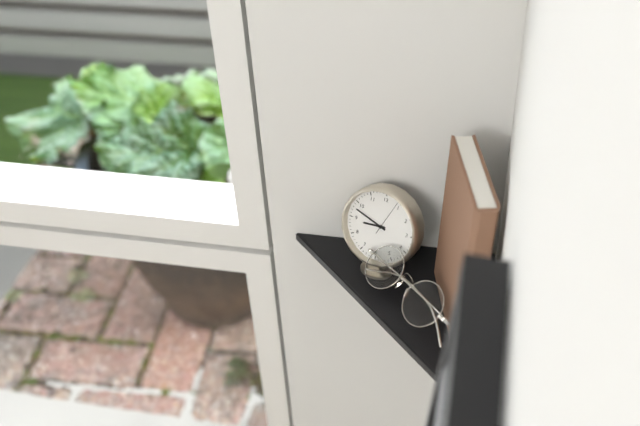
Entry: h=8 m=48
